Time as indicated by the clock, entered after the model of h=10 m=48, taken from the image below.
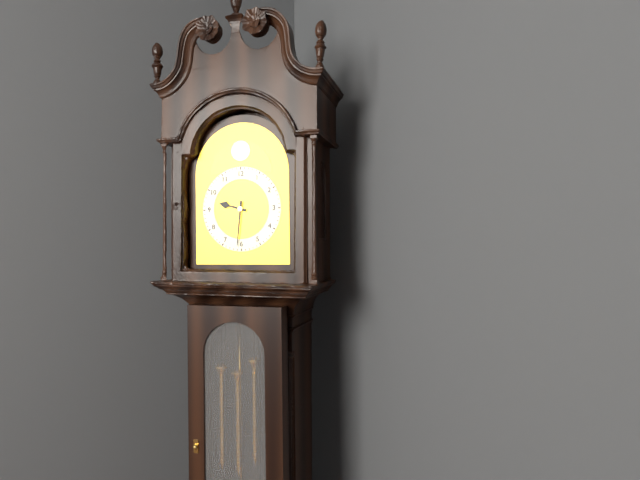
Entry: h=9 m=31
